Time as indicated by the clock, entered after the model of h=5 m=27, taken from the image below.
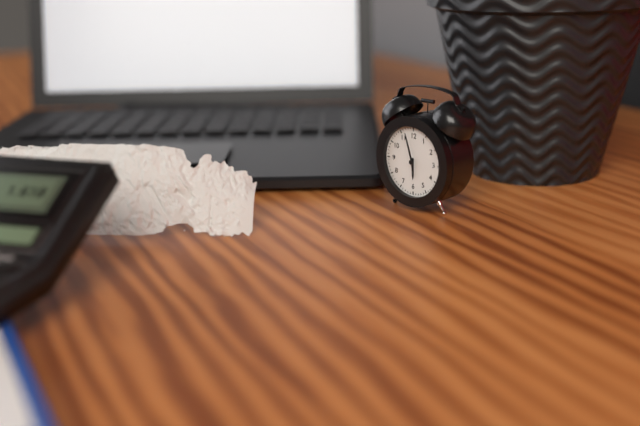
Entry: h=5 m=57
